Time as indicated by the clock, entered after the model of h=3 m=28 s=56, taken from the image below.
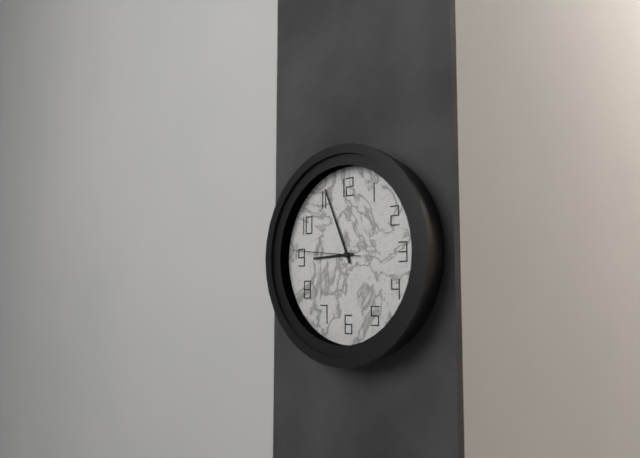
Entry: h=8 m=56 s=46
